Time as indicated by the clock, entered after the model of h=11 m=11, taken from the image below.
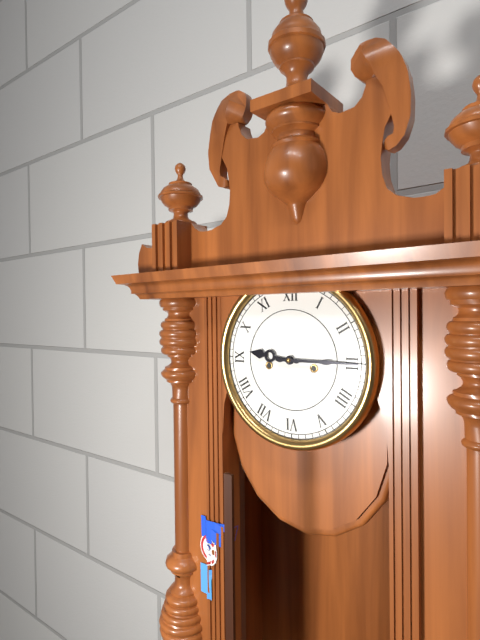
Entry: h=9 m=15
